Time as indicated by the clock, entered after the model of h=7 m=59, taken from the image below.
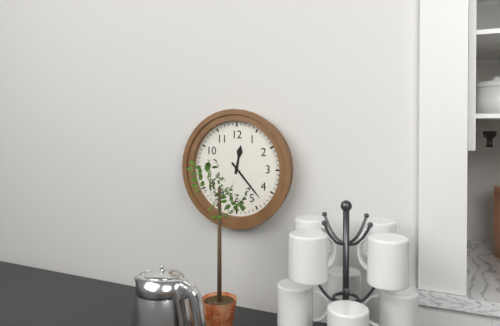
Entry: h=12 m=23
